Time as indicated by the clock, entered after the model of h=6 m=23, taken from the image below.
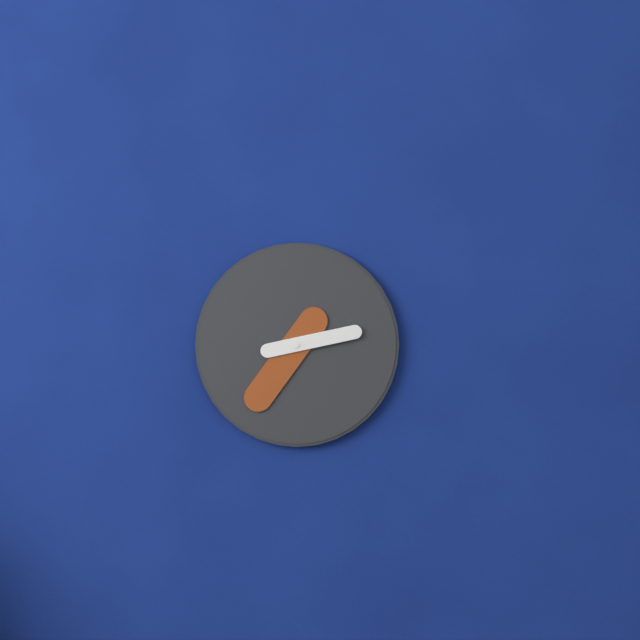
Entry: h=2 m=36
